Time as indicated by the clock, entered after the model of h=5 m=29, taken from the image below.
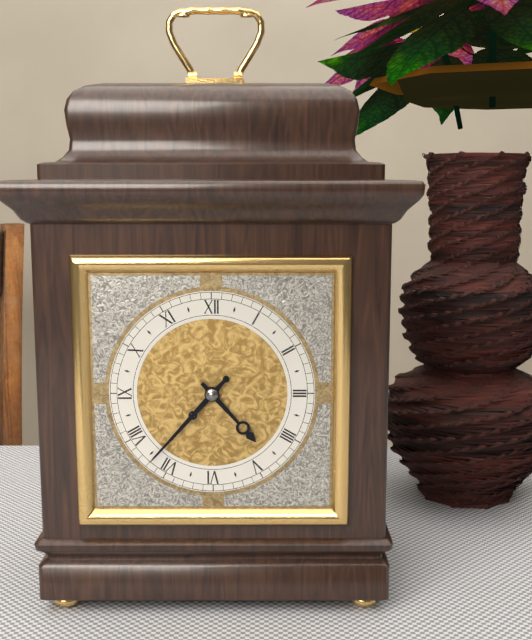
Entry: h=4 m=37
